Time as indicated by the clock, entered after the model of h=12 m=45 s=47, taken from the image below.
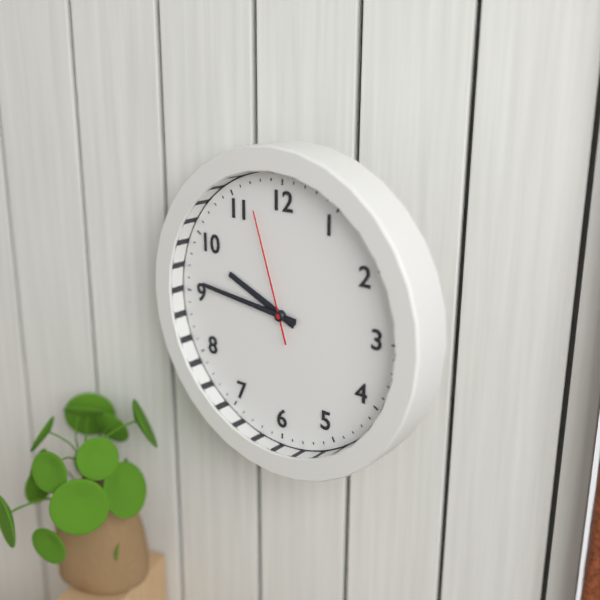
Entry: h=9 m=46 s=57
